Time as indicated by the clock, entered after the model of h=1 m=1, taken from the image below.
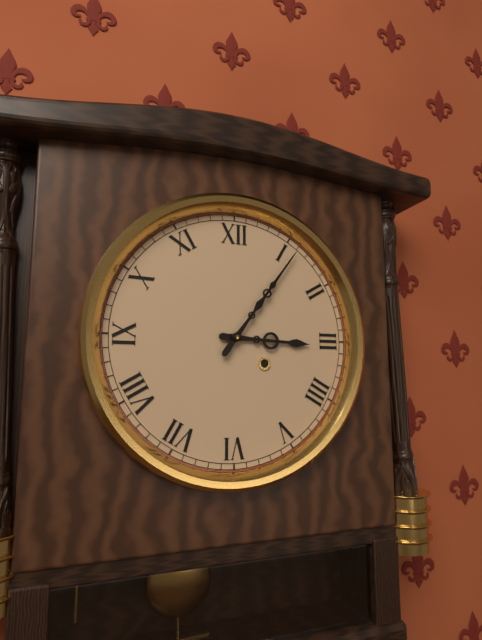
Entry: h=3 m=6
